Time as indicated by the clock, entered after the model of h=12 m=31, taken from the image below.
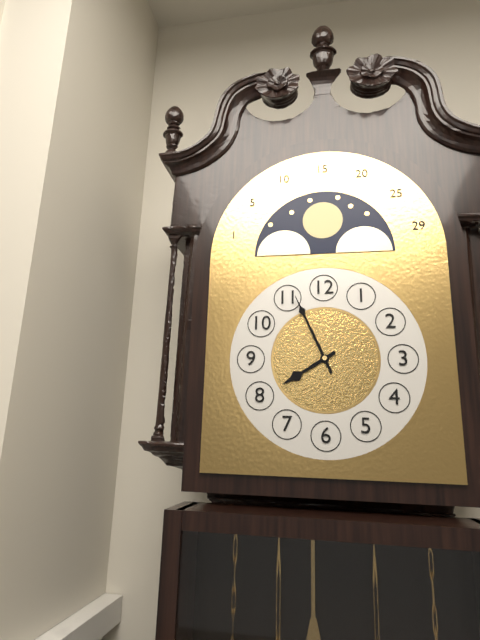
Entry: h=7 m=56
